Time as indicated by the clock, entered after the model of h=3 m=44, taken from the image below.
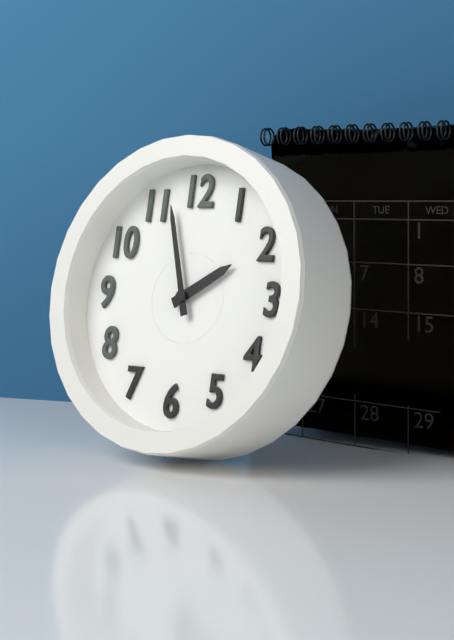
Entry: h=1 m=57
